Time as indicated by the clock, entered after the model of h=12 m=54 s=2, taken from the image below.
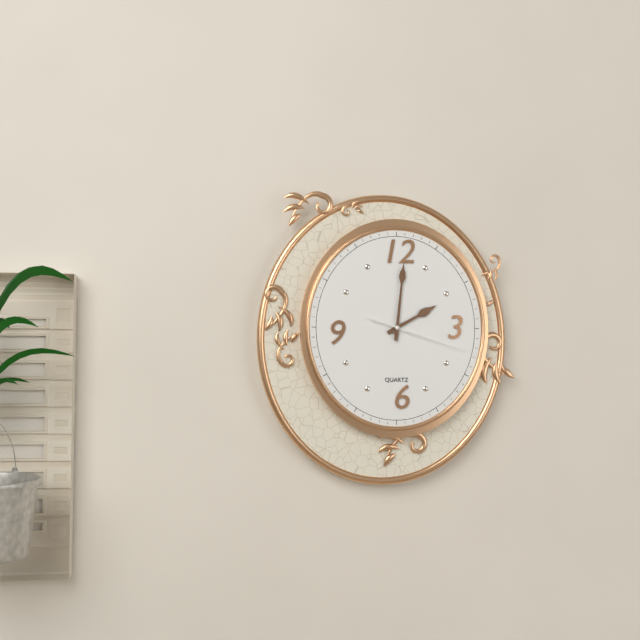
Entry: h=2 m=1 s=18
